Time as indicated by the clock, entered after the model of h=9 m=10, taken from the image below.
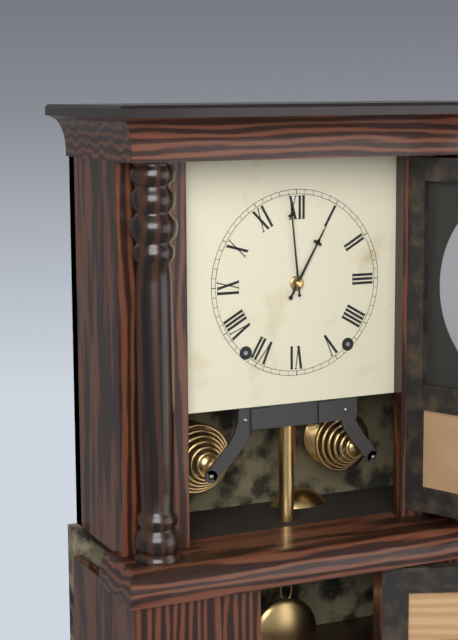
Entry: h=12 m=59
